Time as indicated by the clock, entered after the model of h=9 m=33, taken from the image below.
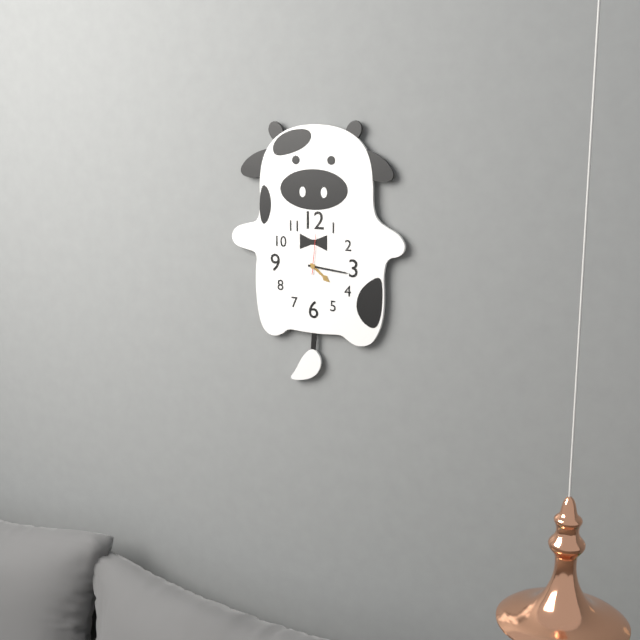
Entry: h=4 m=16
